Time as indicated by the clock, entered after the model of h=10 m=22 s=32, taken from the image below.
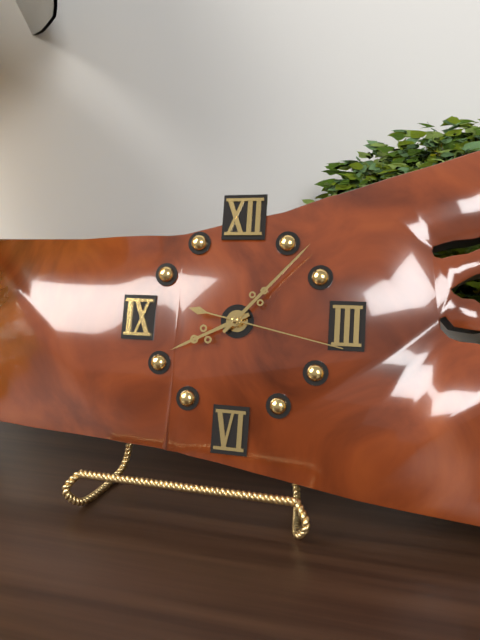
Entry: h=8 m=7 s=17
